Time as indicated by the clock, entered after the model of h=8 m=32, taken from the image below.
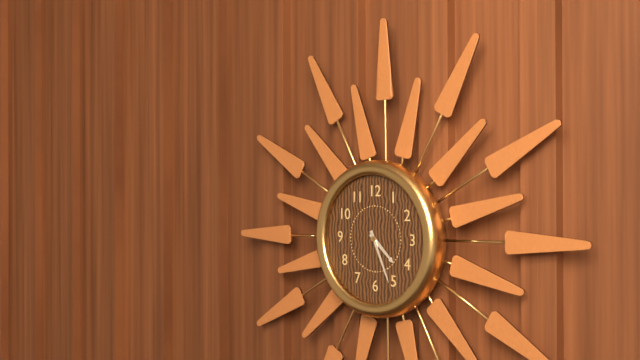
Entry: h=4 m=26
